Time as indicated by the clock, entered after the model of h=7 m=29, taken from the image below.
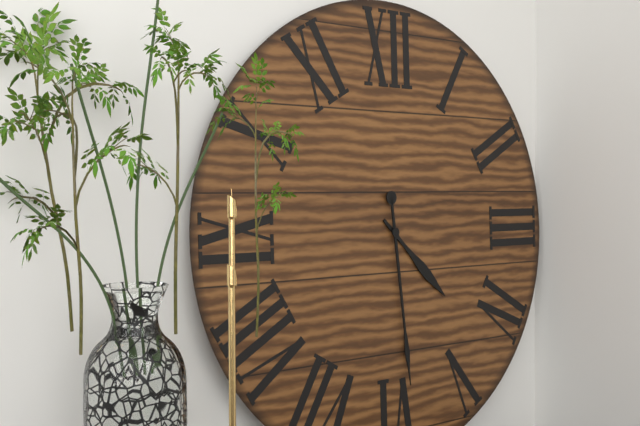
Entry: h=4 m=29
